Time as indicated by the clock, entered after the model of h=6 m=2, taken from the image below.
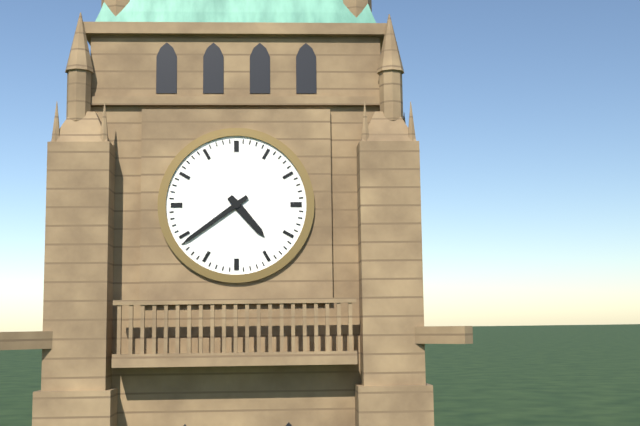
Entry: h=4 m=39
